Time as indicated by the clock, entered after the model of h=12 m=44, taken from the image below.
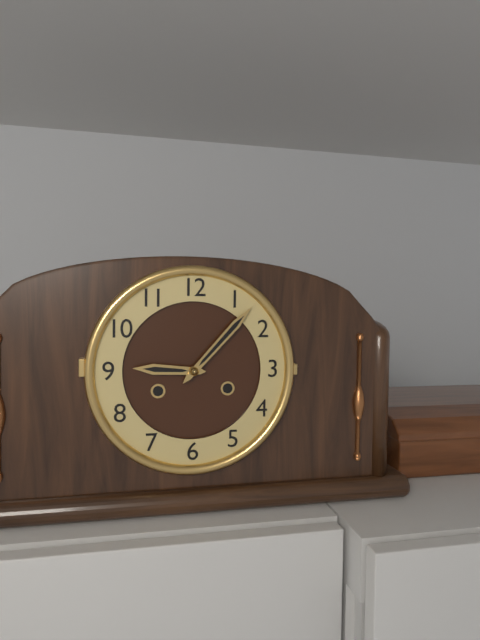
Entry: h=9 m=7
